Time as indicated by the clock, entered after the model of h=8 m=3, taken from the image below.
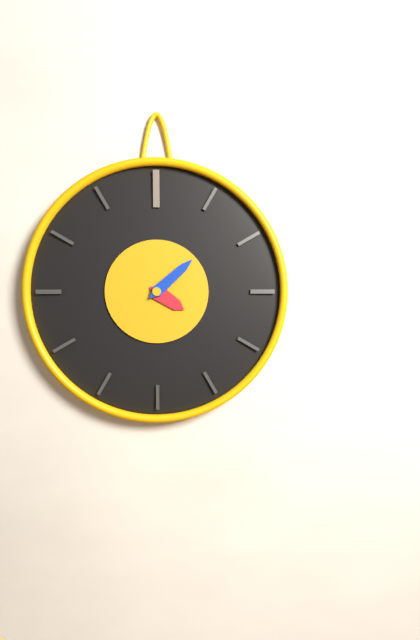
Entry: h=4 m=8
